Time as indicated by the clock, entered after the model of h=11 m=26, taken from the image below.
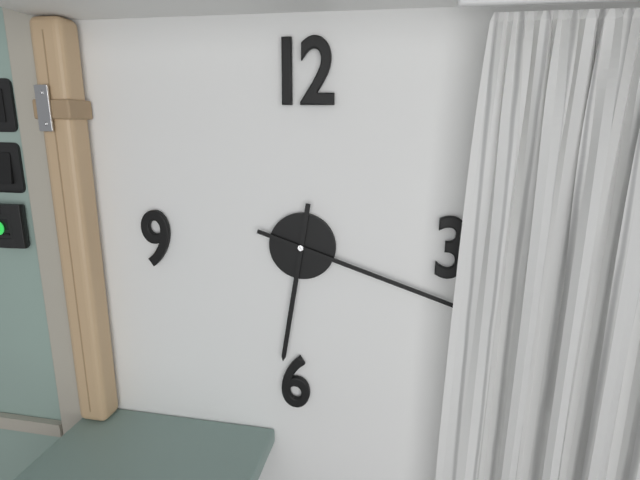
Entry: h=6 m=18
